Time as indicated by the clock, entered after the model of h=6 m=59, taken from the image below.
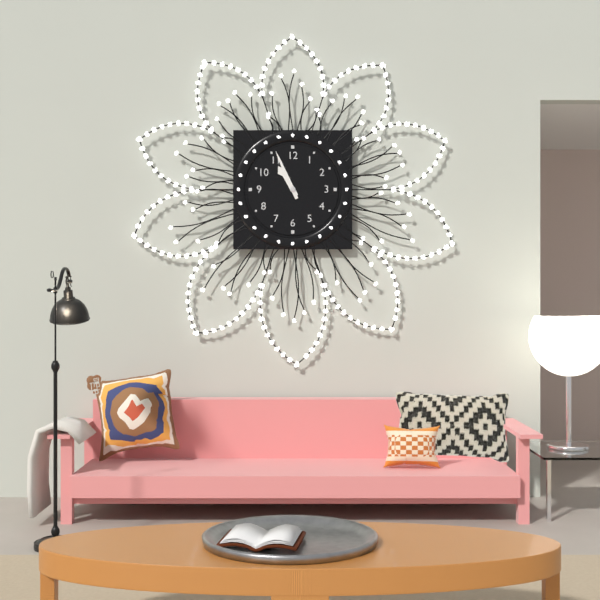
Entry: h=10 m=56
